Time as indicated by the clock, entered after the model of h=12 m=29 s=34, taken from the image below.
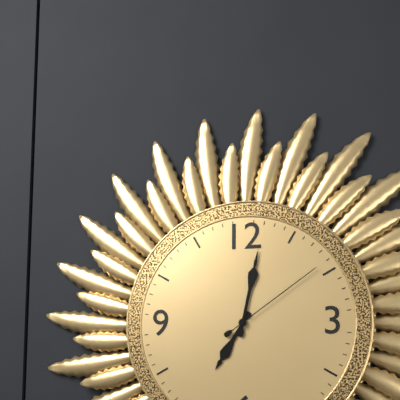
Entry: h=7 m=2 s=9
